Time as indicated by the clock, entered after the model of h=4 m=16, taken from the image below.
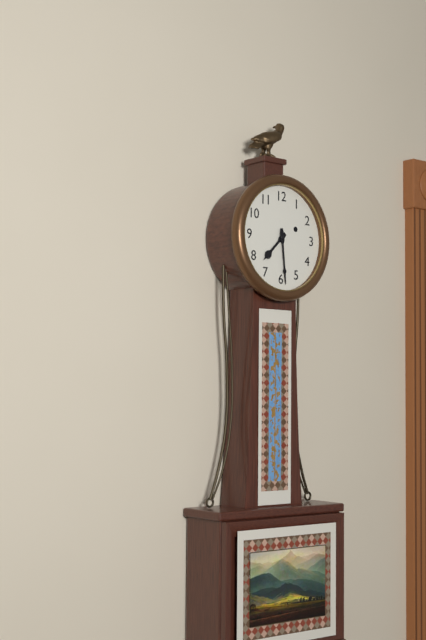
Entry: h=7 m=29
